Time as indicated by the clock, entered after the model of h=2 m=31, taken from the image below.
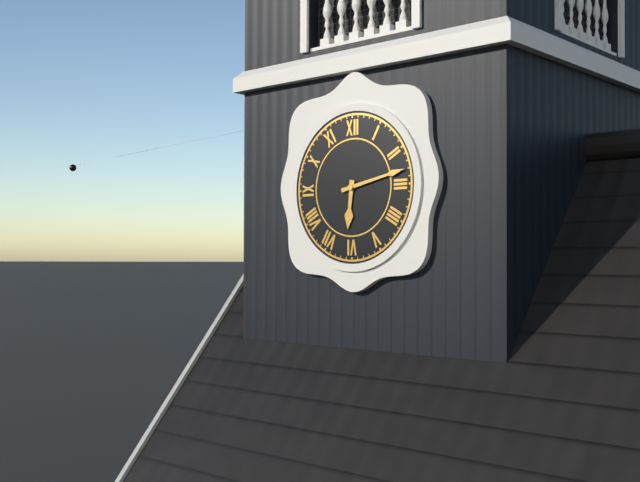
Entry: h=6 m=13
